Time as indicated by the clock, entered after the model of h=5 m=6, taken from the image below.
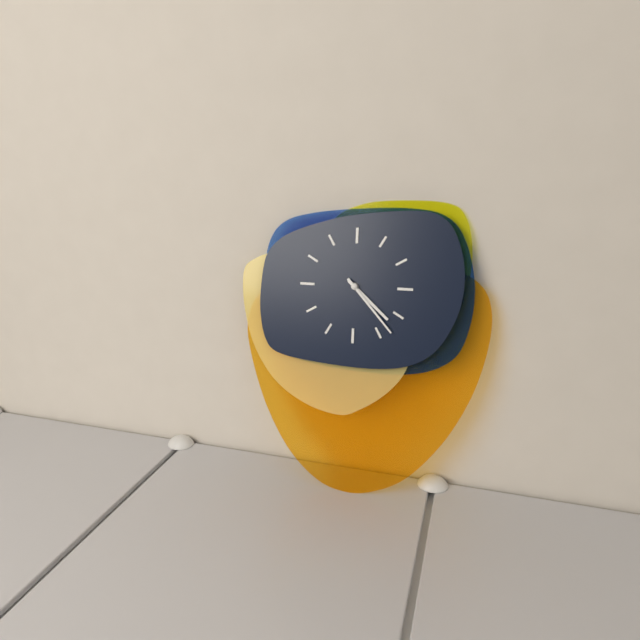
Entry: h=4 m=23
